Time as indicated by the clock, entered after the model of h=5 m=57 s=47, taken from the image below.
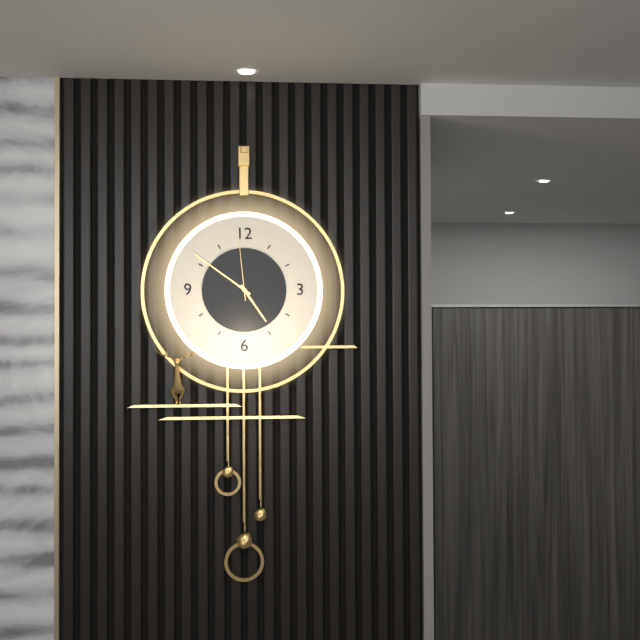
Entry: h=4 m=51 s=59
